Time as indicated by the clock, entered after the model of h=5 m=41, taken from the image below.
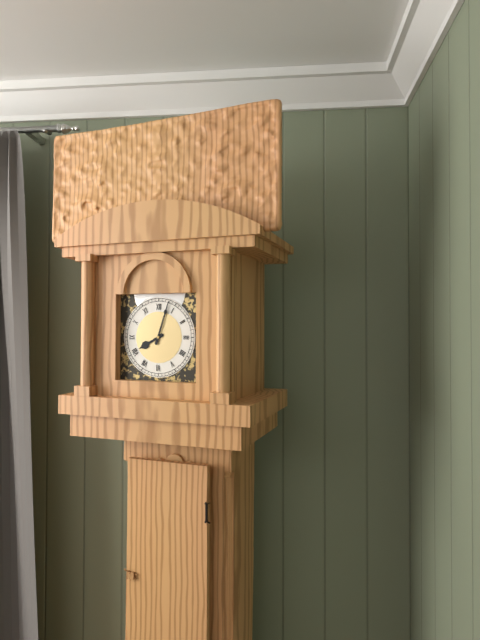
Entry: h=8 m=3
